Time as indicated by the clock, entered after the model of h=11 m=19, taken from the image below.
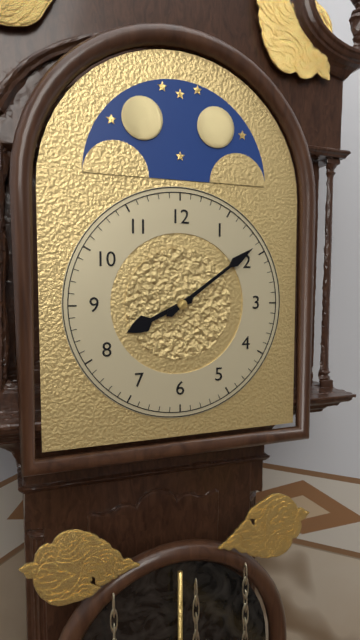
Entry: h=8 m=9
